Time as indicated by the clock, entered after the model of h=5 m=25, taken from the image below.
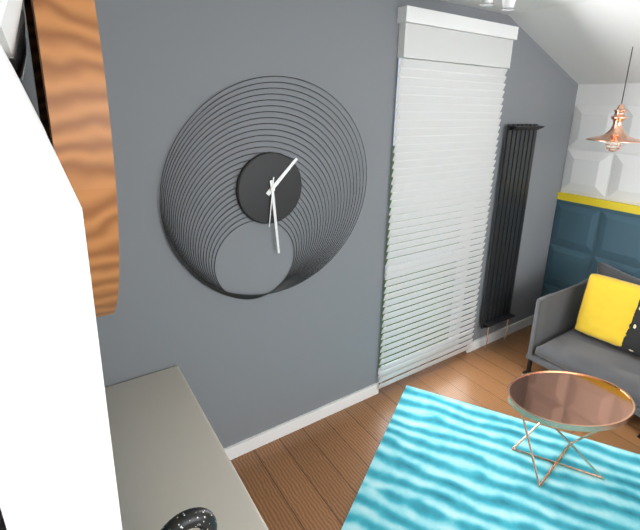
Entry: h=1 m=29
